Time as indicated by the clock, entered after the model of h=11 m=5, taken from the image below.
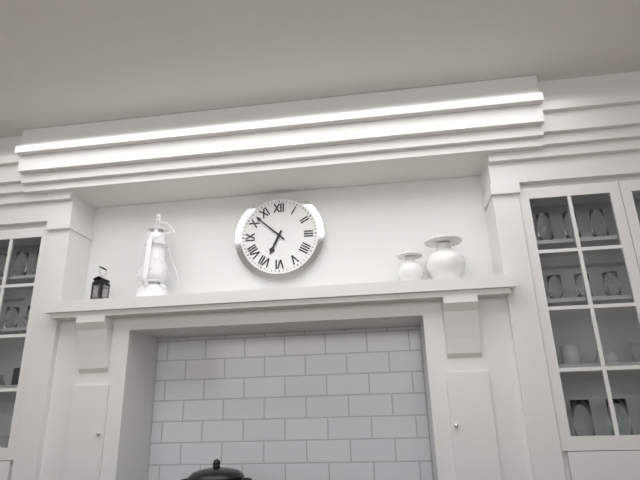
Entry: h=6 m=52
